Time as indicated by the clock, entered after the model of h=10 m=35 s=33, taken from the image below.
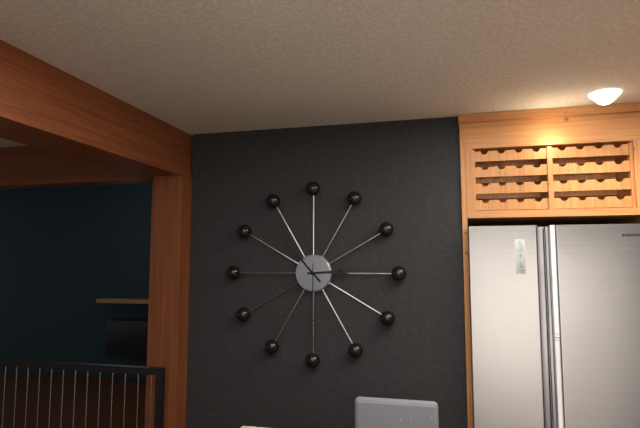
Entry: h=2 m=53 s=30
